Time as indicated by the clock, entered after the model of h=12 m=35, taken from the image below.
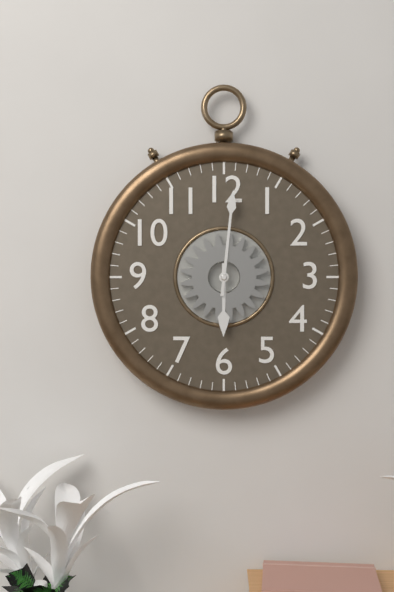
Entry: h=6 m=1
